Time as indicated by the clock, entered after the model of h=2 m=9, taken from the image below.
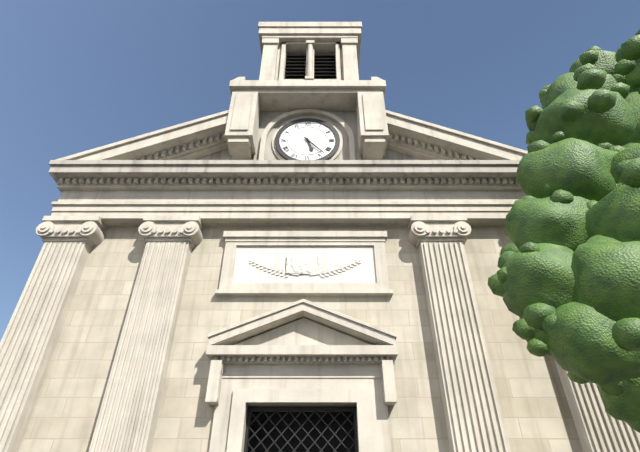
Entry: h=5 m=23
